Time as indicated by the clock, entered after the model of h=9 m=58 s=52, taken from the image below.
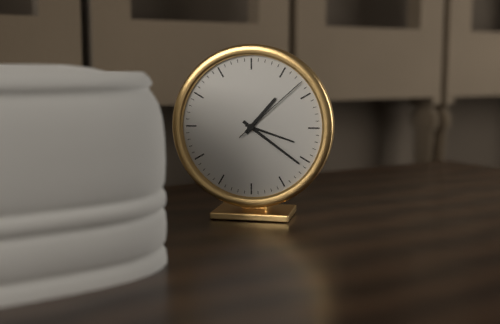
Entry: h=1 m=21 s=8
